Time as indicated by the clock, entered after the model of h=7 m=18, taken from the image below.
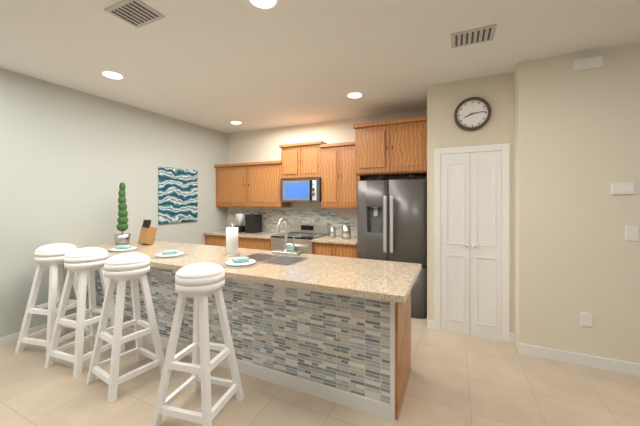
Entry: h=8 m=14
